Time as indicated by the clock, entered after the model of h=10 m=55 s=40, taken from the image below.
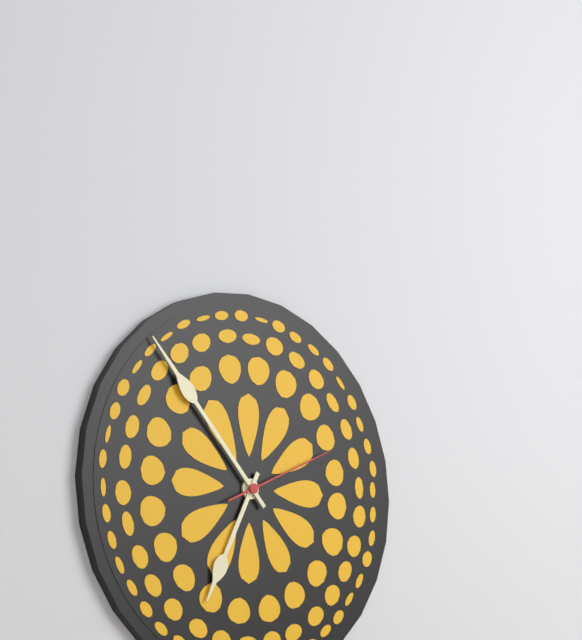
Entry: h=6 m=53 s=11
